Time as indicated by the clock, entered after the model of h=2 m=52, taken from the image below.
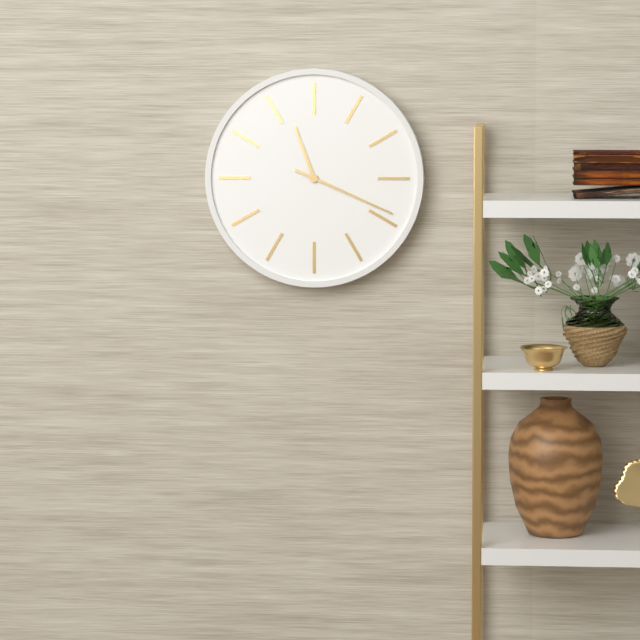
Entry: h=11 m=19
